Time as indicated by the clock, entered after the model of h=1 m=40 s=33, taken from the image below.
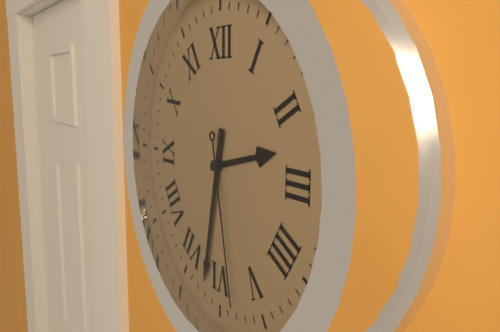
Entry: h=2 m=32 s=28
